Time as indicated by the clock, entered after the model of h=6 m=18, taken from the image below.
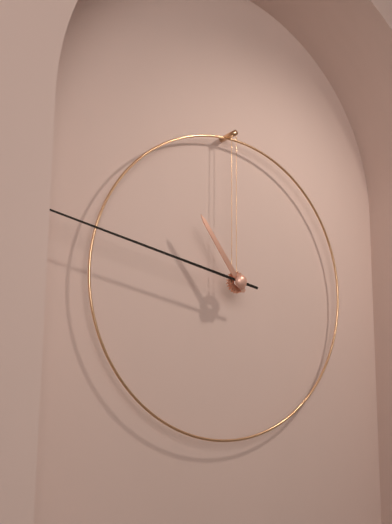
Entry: h=10 m=47
